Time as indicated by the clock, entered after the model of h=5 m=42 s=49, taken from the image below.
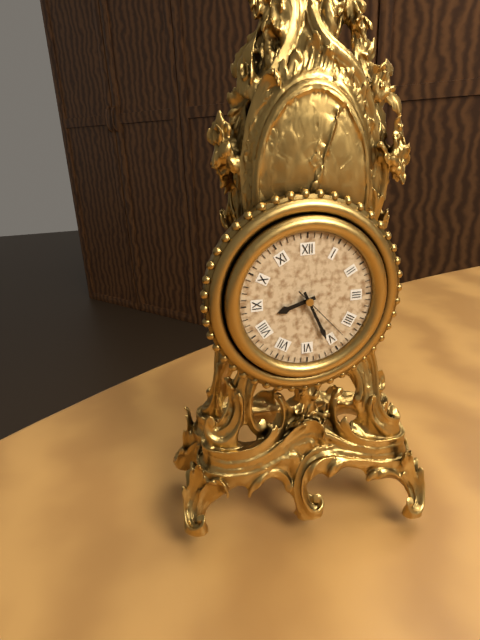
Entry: h=8 m=26 s=23
